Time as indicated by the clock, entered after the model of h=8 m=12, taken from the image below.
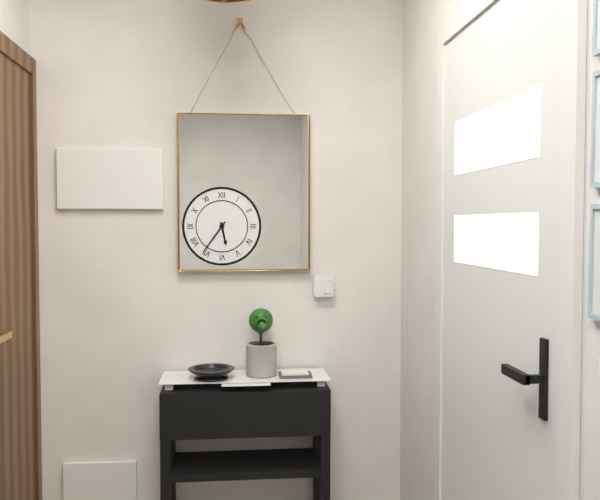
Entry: h=5 m=36
